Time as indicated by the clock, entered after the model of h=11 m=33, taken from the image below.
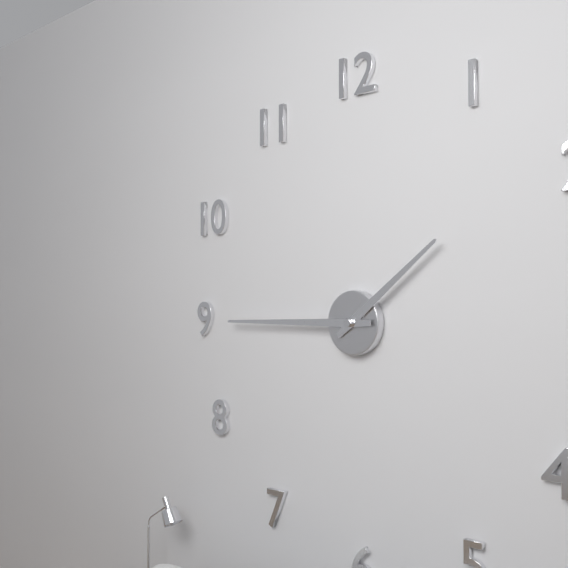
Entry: h=1 m=45
